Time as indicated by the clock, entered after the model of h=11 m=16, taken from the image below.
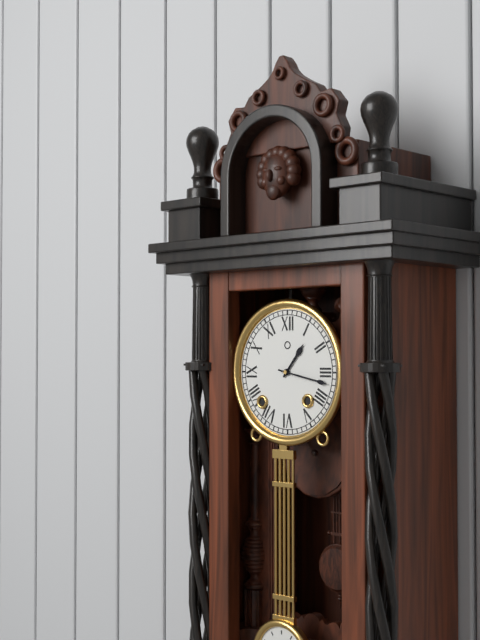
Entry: h=1 m=17
